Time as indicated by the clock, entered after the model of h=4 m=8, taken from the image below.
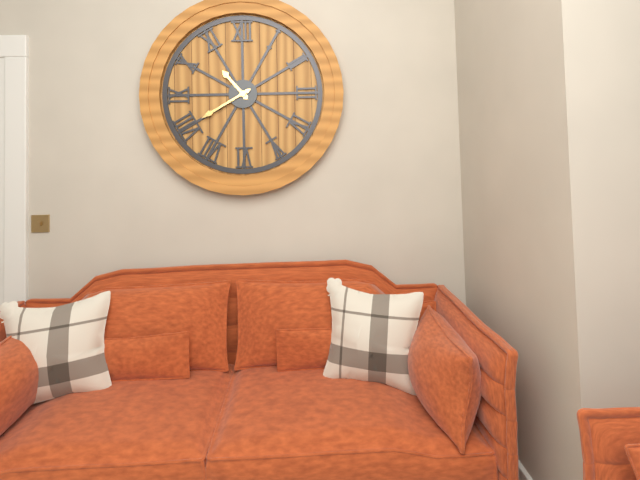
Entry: h=10 m=40
